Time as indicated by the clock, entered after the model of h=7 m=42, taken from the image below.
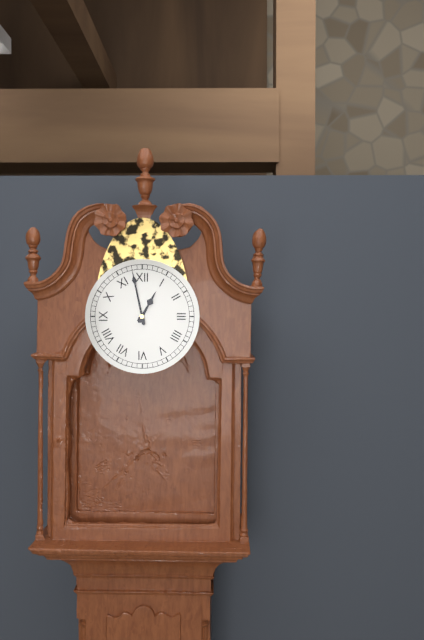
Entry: h=12 m=58
